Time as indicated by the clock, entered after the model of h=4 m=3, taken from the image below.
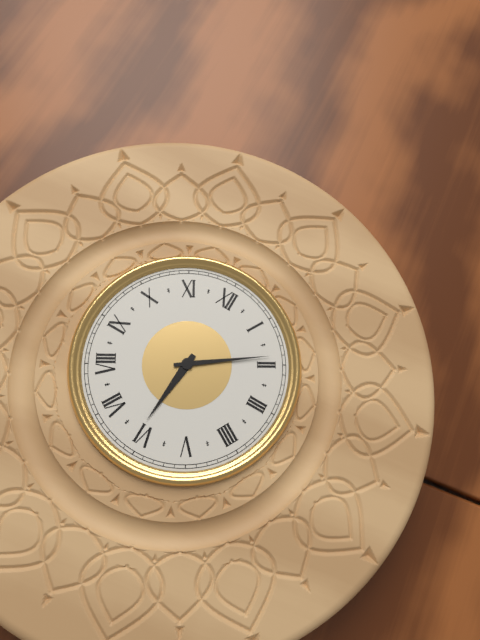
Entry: h=6 m=9
